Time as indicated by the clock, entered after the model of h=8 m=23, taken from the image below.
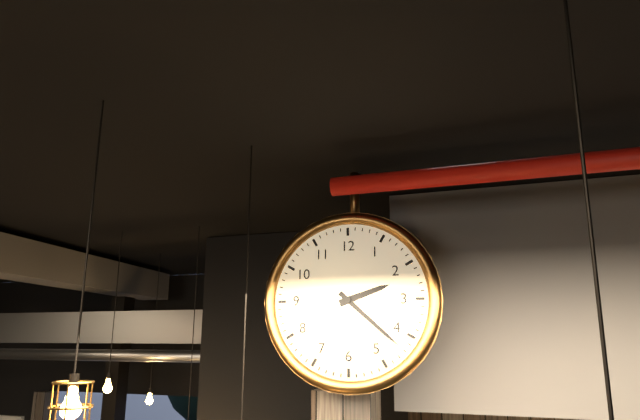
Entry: h=2 m=22
